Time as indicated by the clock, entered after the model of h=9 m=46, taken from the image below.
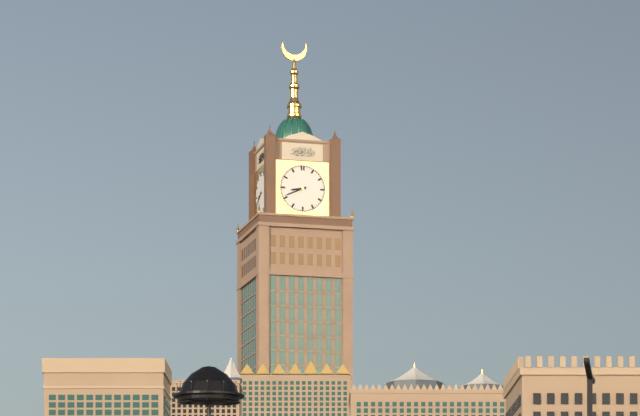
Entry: h=8 m=41
